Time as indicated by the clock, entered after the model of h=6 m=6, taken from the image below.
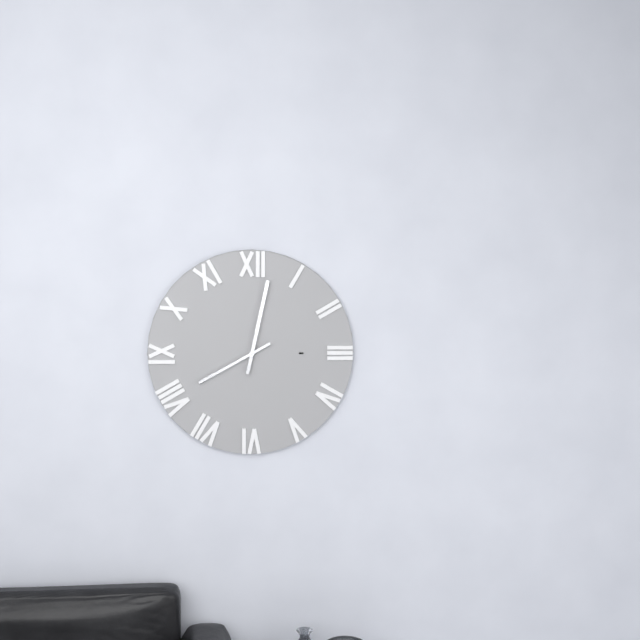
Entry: h=8 m=2
